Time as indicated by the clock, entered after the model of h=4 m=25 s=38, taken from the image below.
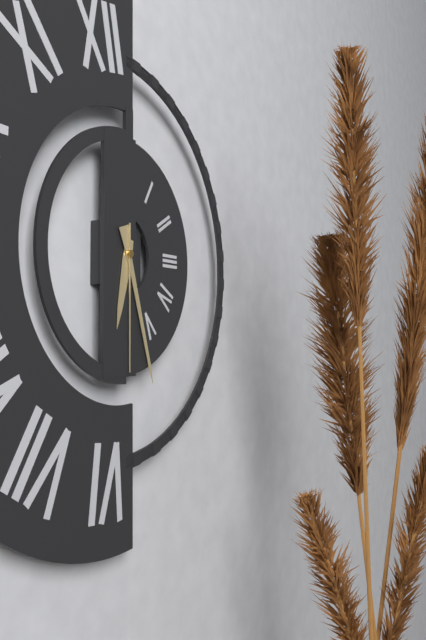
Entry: h=6 m=27 s=30
